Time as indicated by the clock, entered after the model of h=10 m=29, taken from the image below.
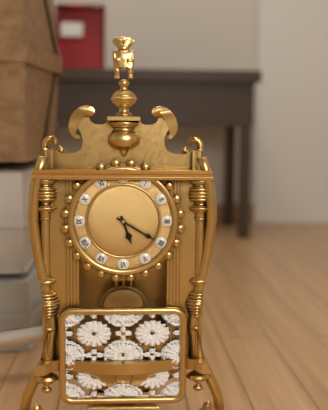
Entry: h=5 m=20
